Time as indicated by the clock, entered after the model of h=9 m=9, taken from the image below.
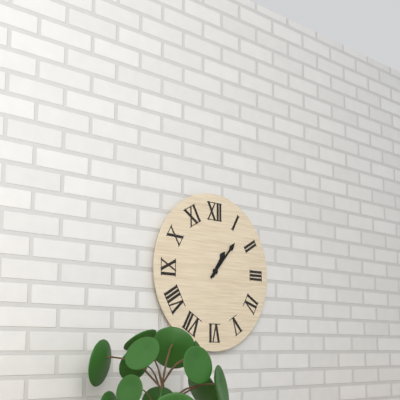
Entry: h=1 m=7
